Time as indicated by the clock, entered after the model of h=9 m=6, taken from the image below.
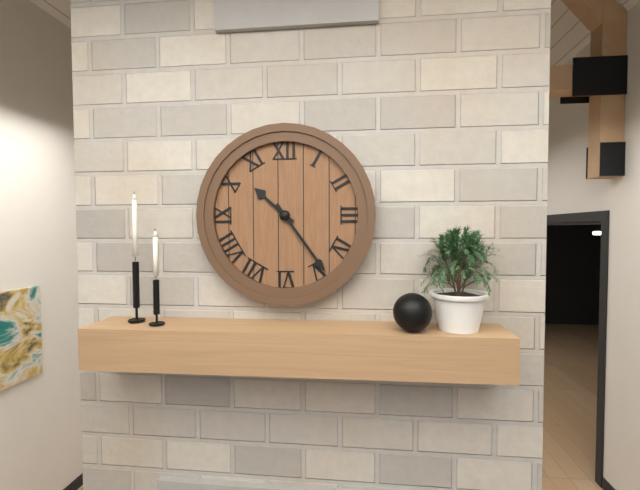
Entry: h=10 m=24
